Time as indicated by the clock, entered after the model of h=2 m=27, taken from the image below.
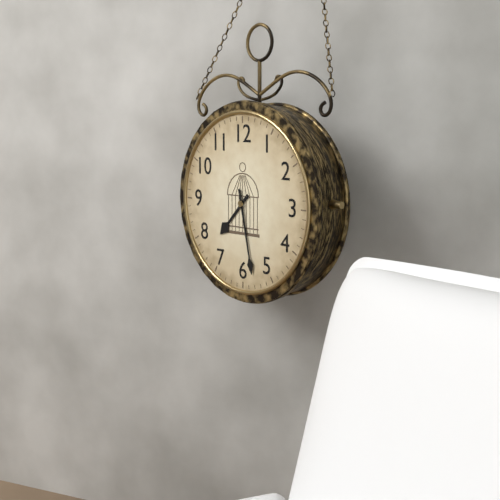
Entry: h=7 m=28
